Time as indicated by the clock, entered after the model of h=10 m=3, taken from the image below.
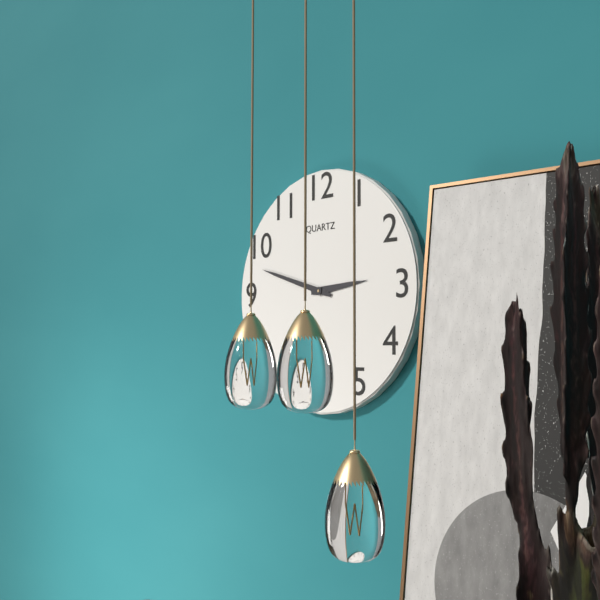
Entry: h=2 m=48
